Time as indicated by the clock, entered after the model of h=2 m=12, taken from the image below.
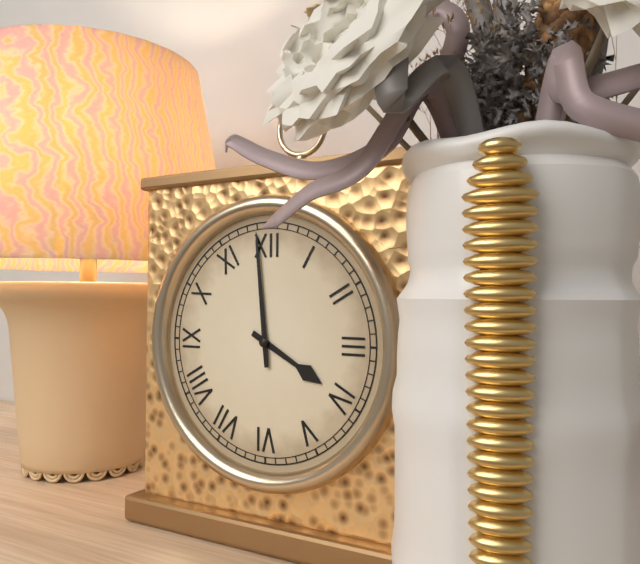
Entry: h=3 m=59
